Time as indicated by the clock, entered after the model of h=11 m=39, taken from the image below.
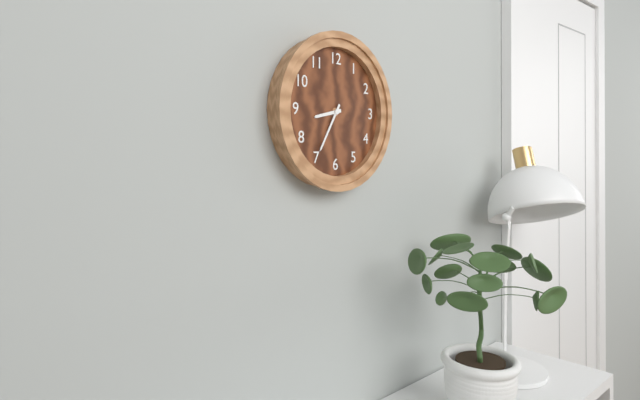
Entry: h=8 m=35
